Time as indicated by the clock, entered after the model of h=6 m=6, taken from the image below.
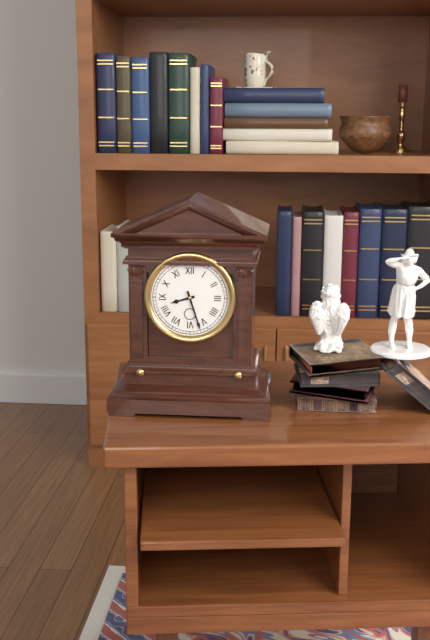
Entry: h=8 m=27
